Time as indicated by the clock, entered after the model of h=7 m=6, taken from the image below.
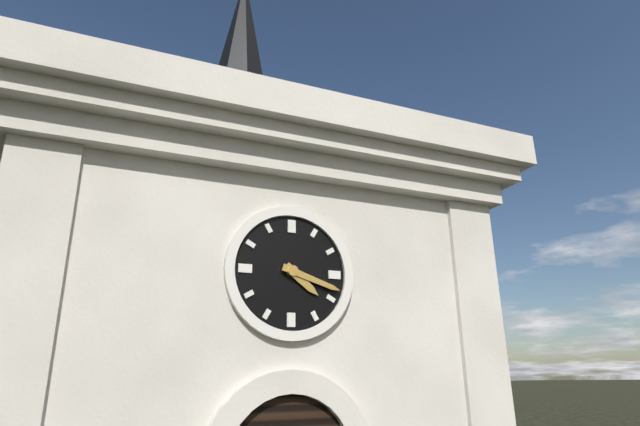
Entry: h=4 m=18
